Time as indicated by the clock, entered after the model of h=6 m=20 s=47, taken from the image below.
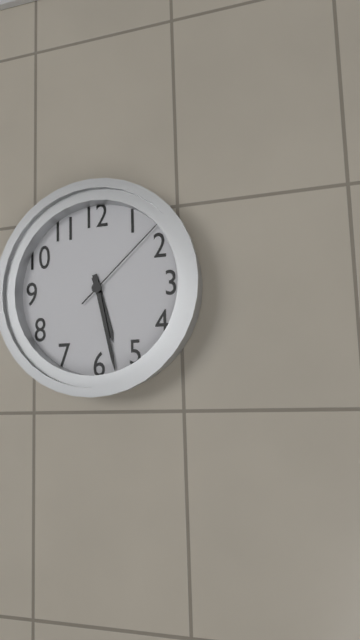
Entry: h=5 m=28 s=8
